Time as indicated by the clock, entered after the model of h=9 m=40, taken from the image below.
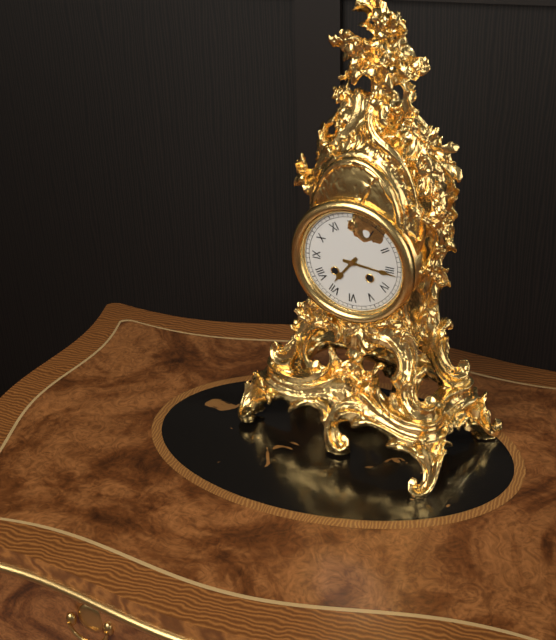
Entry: h=7 m=16
